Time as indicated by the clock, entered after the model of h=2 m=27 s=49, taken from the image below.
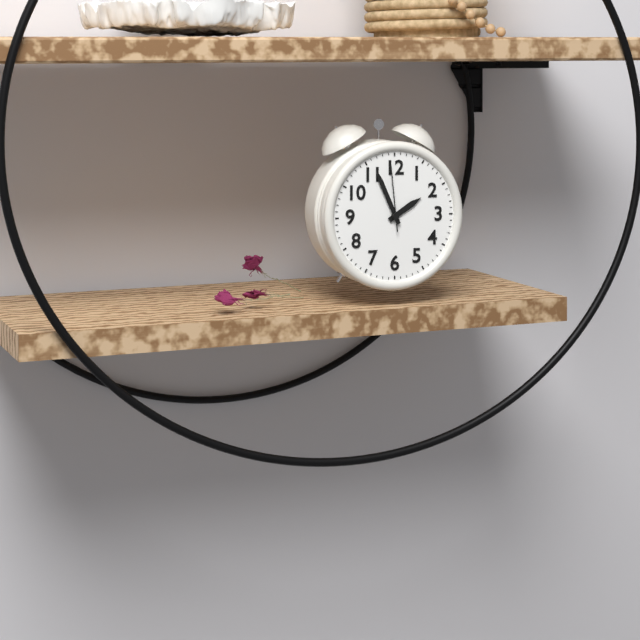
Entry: h=1 m=56 s=59
